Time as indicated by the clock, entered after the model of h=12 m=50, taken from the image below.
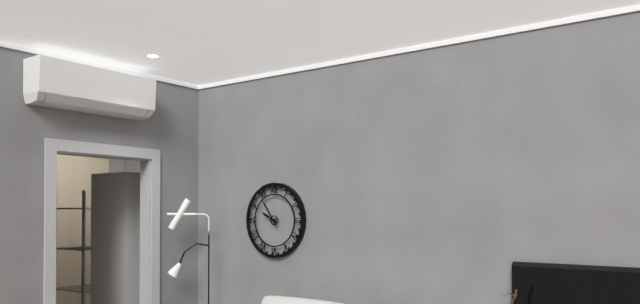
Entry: h=9 m=54
